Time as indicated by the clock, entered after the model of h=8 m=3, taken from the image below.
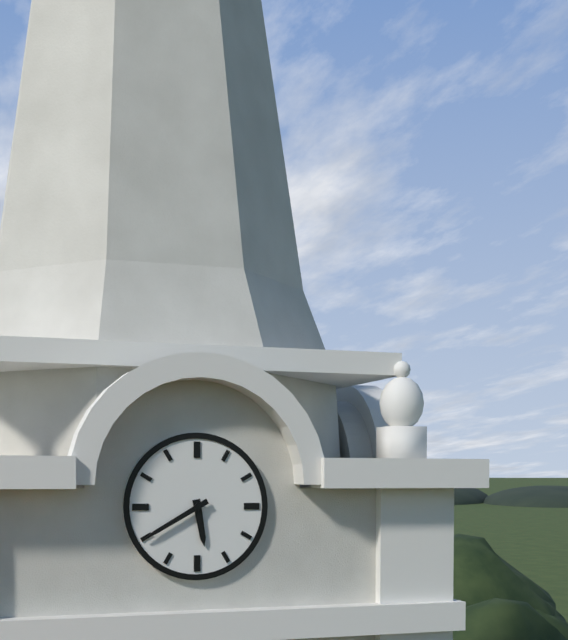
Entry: h=5 m=40
